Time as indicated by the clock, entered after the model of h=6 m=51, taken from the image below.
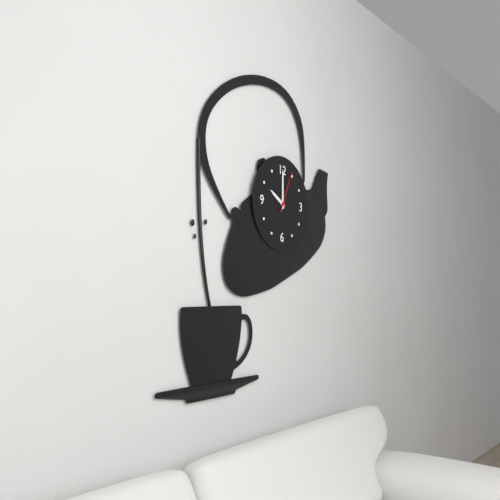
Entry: h=10 m=0
